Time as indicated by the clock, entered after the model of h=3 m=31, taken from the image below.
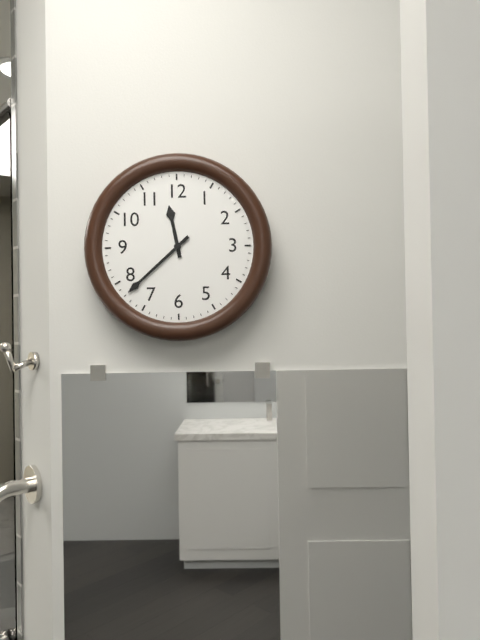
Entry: h=11 m=38
